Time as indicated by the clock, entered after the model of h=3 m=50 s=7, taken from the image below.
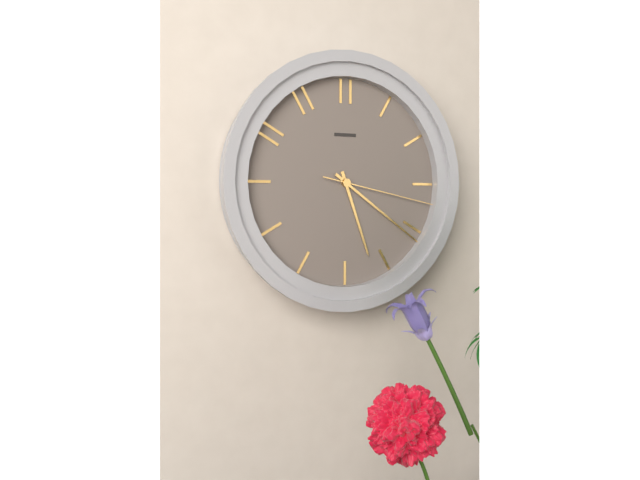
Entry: h=5 m=21 s=17
